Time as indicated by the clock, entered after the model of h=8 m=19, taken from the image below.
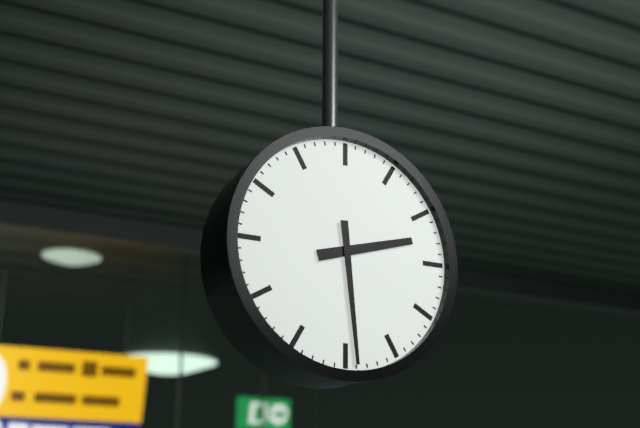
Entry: h=2 m=29
